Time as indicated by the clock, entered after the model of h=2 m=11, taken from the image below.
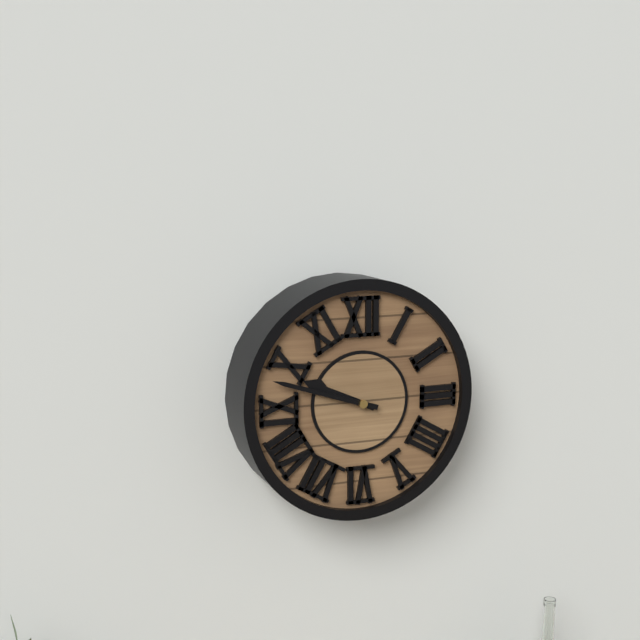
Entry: h=9 m=48
